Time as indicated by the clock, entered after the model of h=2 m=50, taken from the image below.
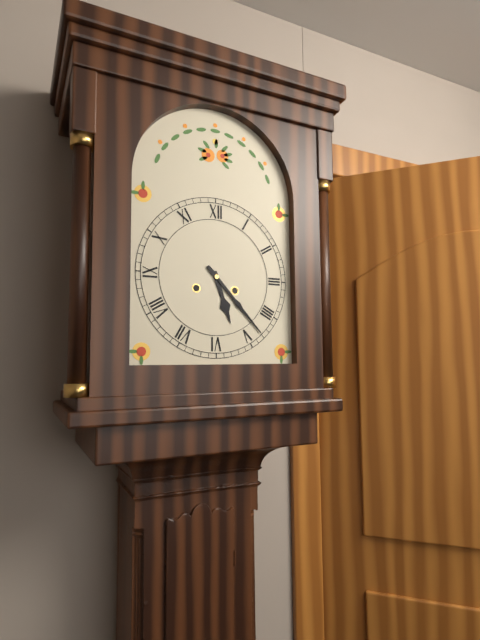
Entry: h=5 m=23
